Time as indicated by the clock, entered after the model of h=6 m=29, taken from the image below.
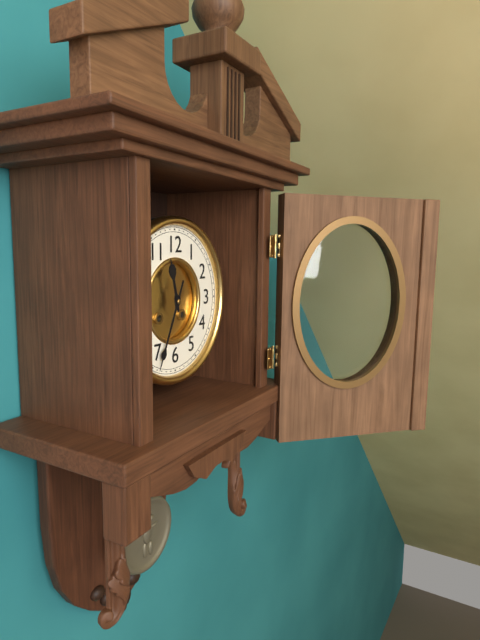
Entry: h=11 m=34
